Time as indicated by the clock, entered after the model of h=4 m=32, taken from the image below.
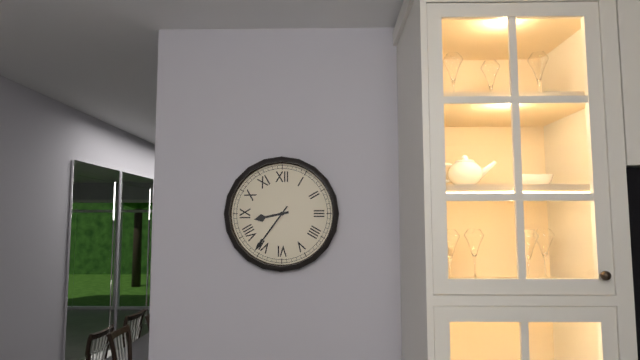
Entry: h=8 m=36
